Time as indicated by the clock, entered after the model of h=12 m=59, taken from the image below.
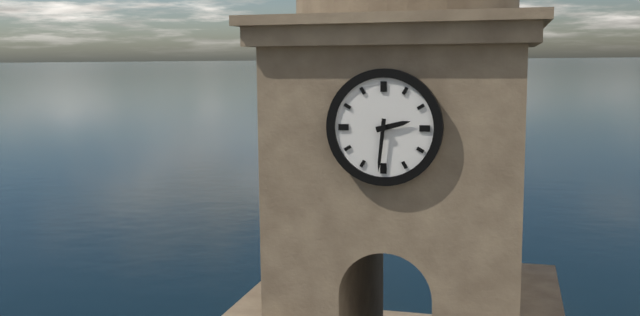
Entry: h=2 m=31
